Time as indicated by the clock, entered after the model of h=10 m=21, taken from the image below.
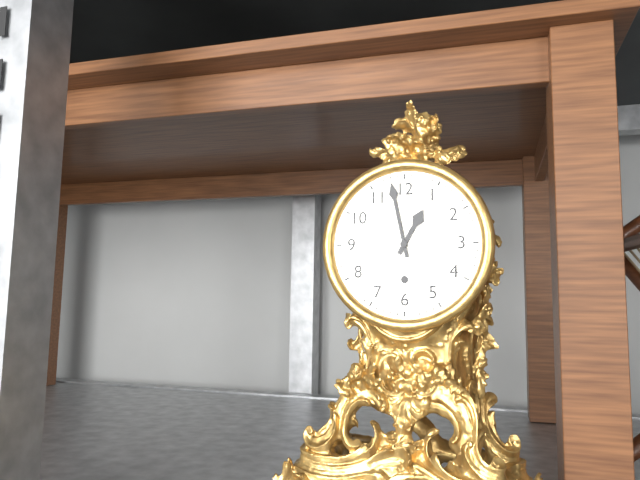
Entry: h=12 m=58
